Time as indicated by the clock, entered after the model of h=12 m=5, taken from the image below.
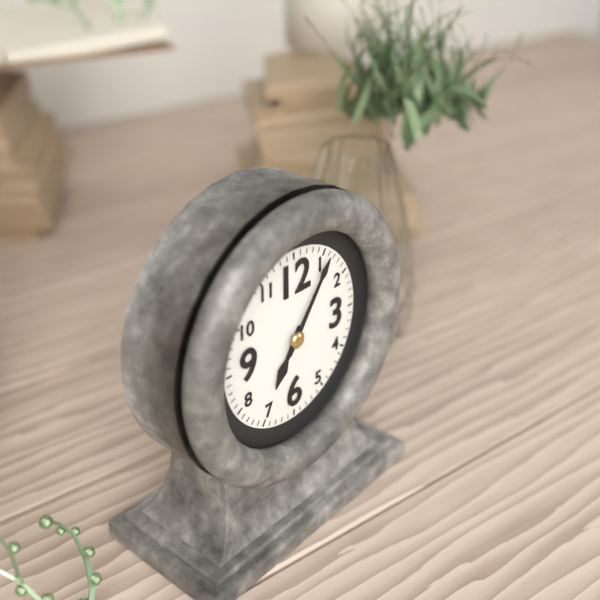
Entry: h=7 m=6
